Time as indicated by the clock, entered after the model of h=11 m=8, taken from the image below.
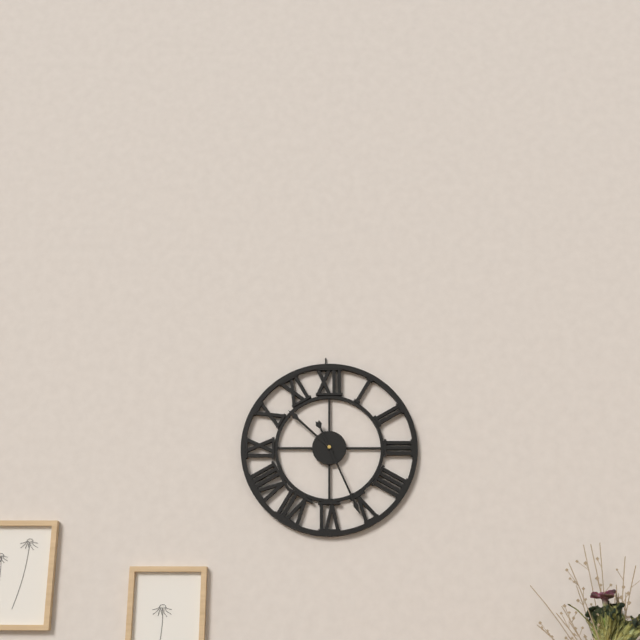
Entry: h=10 m=26
